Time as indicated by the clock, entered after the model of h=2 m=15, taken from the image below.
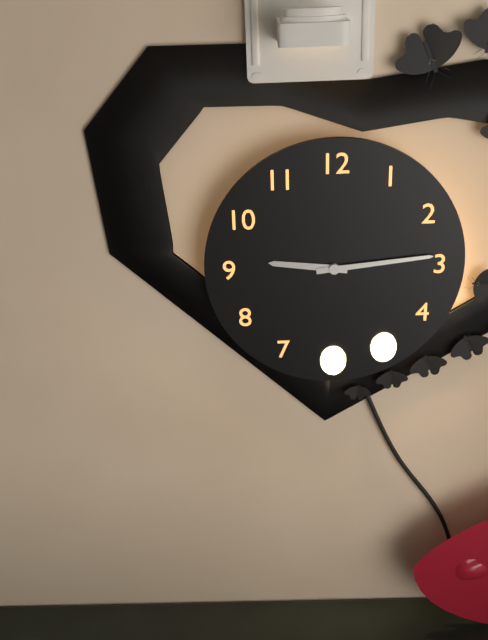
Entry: h=9 m=14
